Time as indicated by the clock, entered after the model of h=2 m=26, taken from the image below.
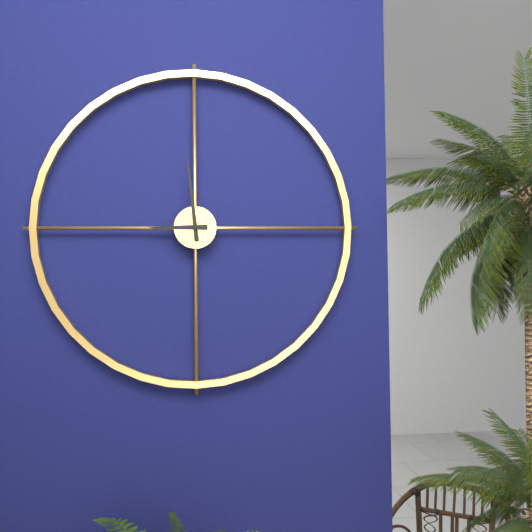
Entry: h=8 m=59
